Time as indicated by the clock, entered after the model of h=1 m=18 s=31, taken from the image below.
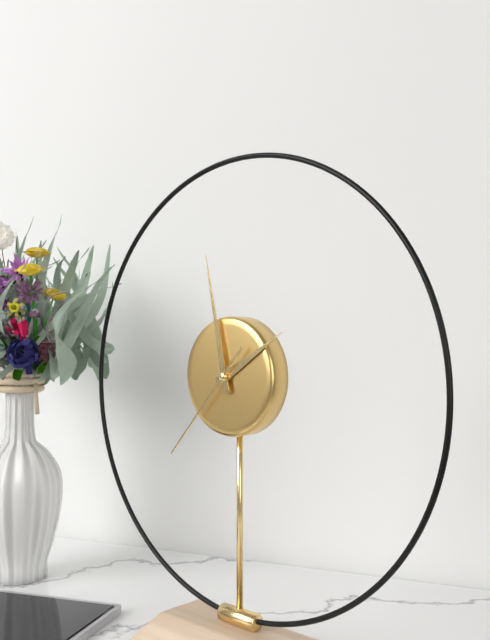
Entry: h=1 m=58 s=37
